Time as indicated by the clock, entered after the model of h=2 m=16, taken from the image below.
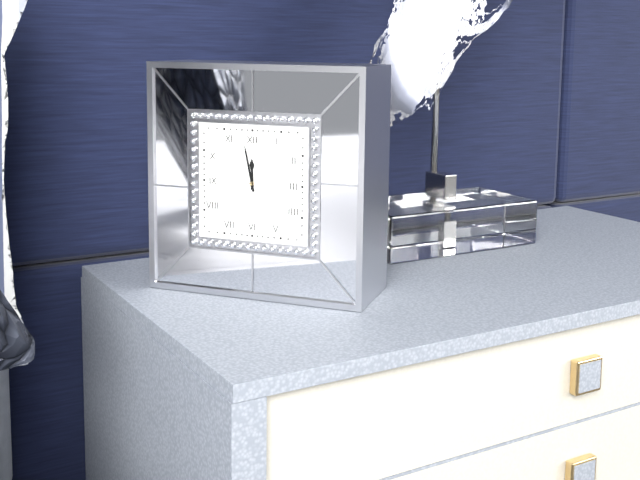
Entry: h=11 m=58
